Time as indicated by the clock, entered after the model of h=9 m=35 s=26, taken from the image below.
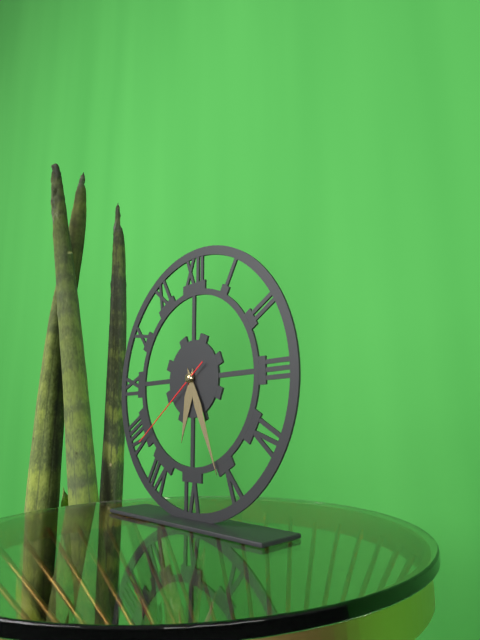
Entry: h=6 m=26 s=39
